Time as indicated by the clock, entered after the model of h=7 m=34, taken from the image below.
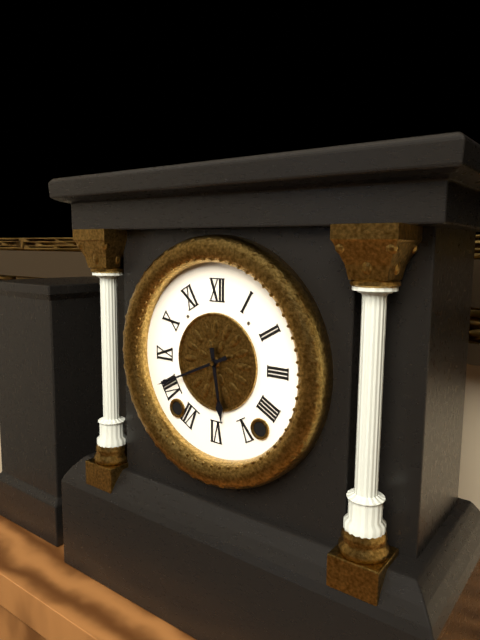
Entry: h=5 m=41
